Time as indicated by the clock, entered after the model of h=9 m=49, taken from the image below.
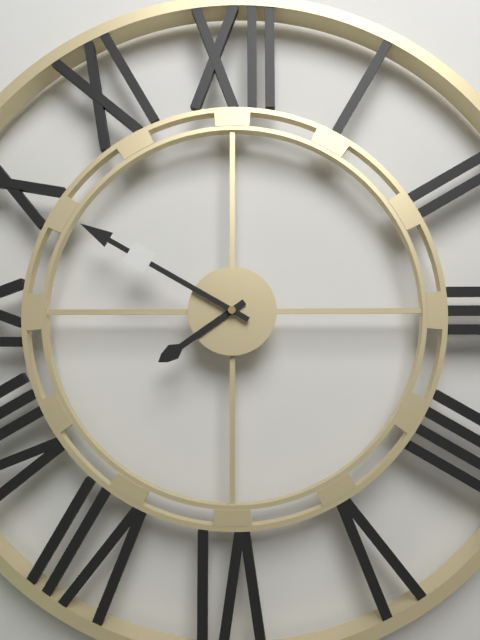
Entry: h=7 m=50
